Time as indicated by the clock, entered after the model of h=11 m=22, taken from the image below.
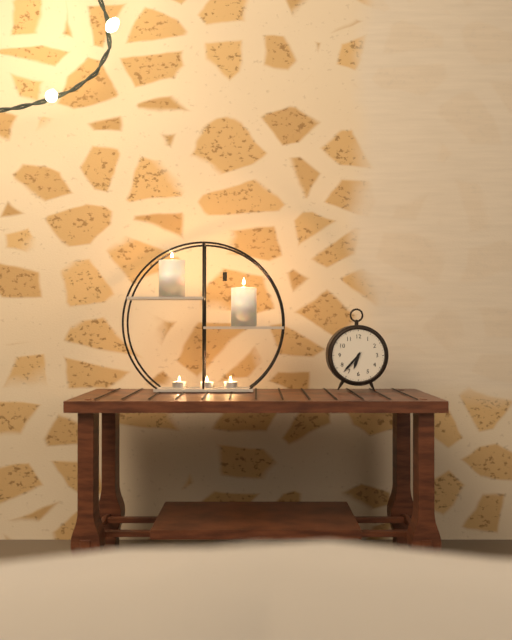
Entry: h=6 m=37
